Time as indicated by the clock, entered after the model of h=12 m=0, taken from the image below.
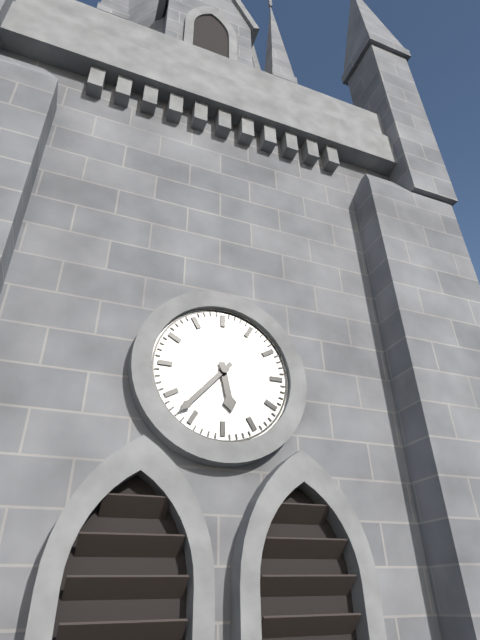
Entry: h=5 m=37
